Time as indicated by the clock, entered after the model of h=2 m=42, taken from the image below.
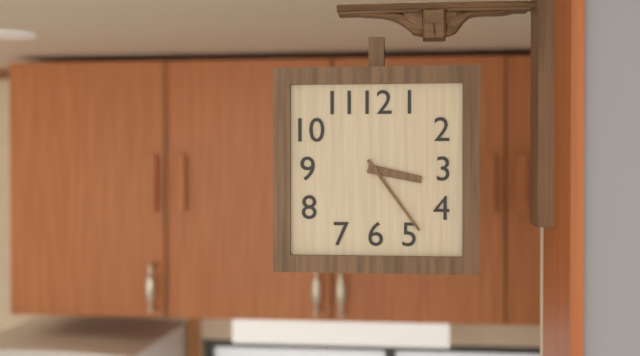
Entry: h=3 m=24
